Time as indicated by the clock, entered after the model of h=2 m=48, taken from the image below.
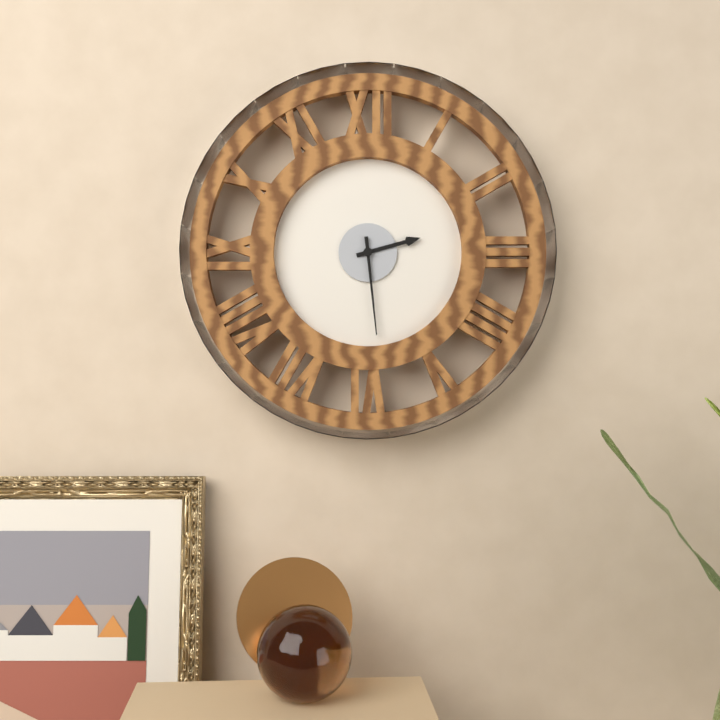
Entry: h=2 m=29
